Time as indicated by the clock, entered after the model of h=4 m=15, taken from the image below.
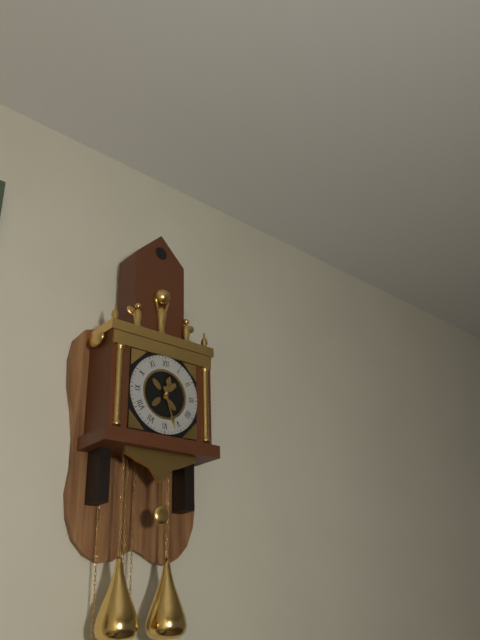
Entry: h=12 m=27
